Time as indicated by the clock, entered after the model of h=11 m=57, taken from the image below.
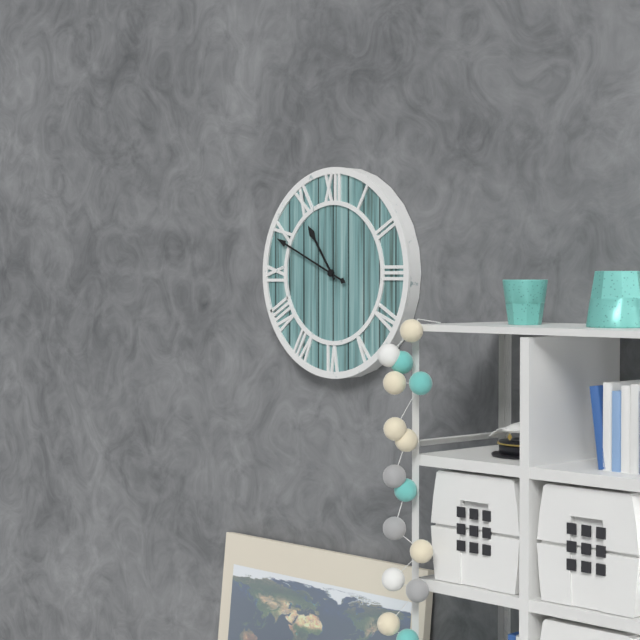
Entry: h=10 m=49
